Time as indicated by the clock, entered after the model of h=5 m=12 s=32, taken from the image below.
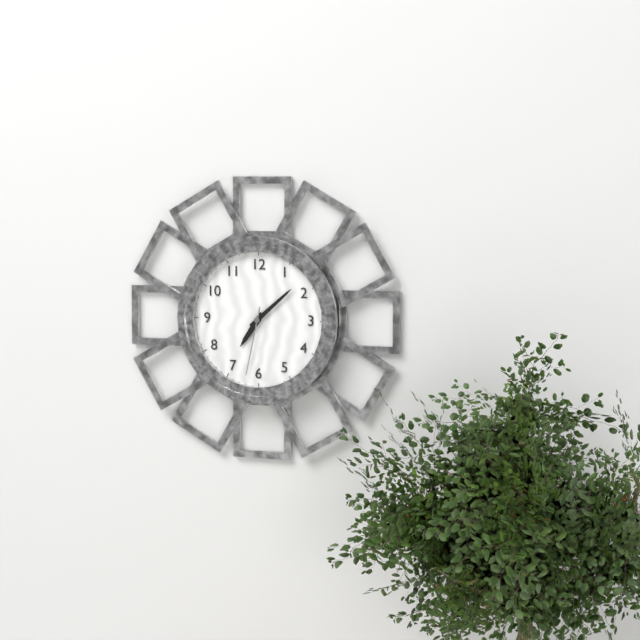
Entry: h=7 m=8 s=32
